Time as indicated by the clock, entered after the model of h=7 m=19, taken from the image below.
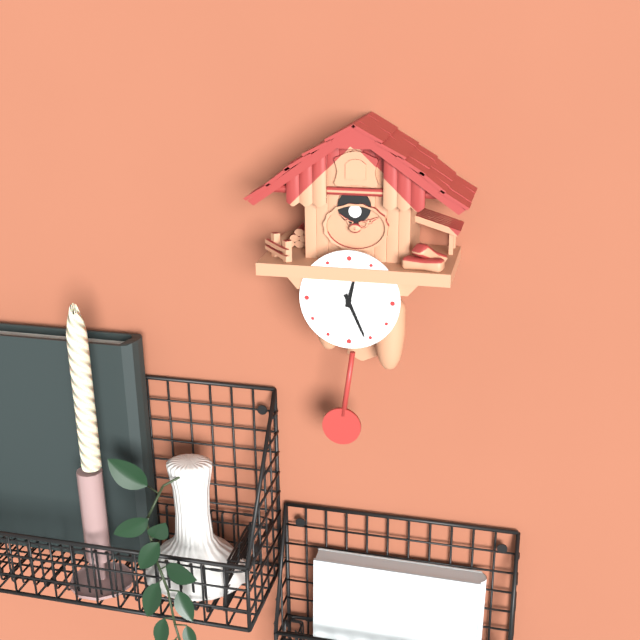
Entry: h=12 m=26
